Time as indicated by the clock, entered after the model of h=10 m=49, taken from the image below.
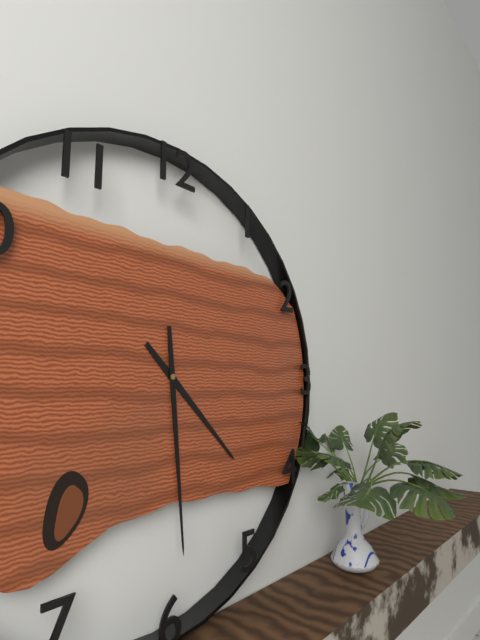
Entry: h=4 m=29
